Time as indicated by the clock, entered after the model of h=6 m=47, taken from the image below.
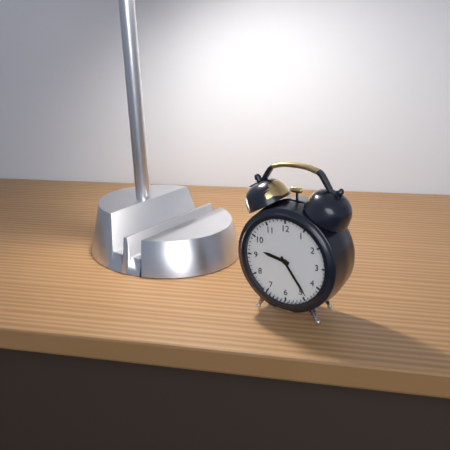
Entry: h=9 m=24
